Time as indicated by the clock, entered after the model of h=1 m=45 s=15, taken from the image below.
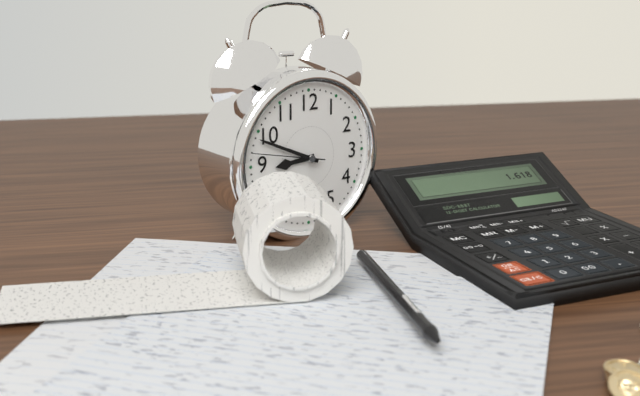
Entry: h=8 m=49 s=47
